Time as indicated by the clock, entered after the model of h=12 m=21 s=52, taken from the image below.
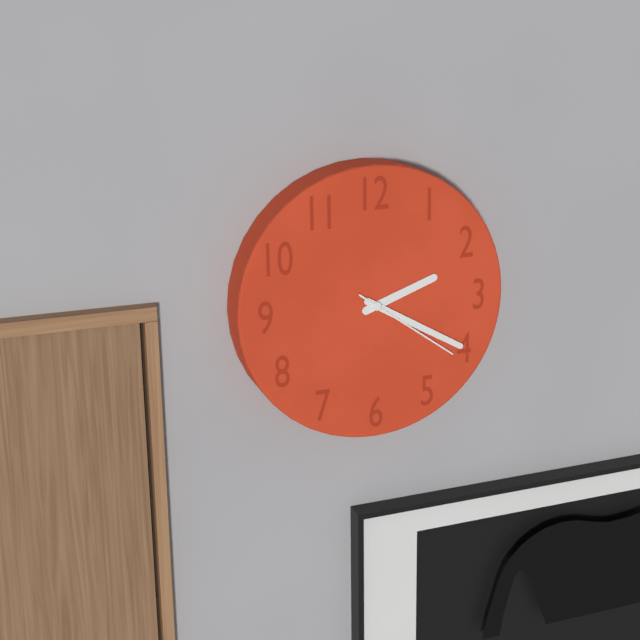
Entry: h=2 m=20 s=21
